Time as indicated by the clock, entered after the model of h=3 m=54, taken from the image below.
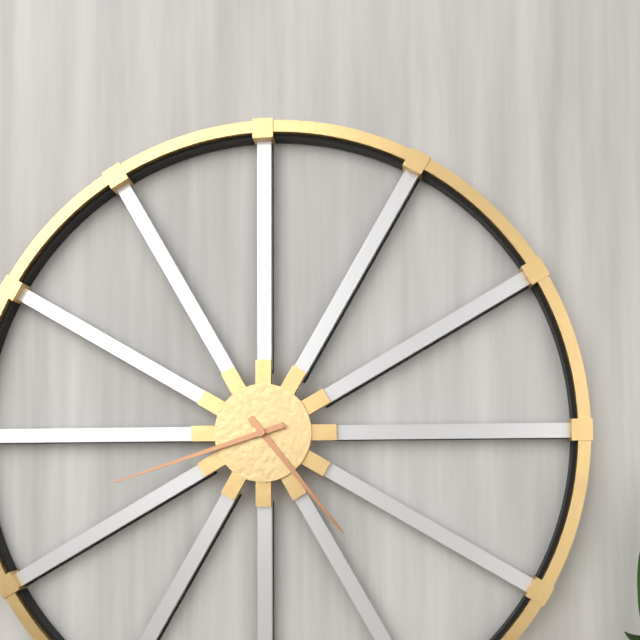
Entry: h=4 m=42
